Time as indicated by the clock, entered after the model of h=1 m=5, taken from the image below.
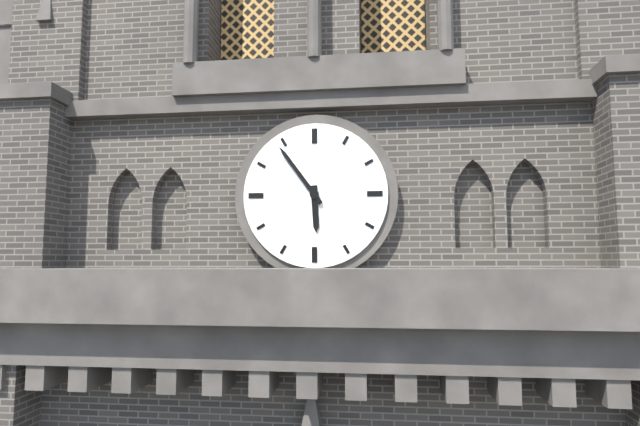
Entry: h=5 m=54
